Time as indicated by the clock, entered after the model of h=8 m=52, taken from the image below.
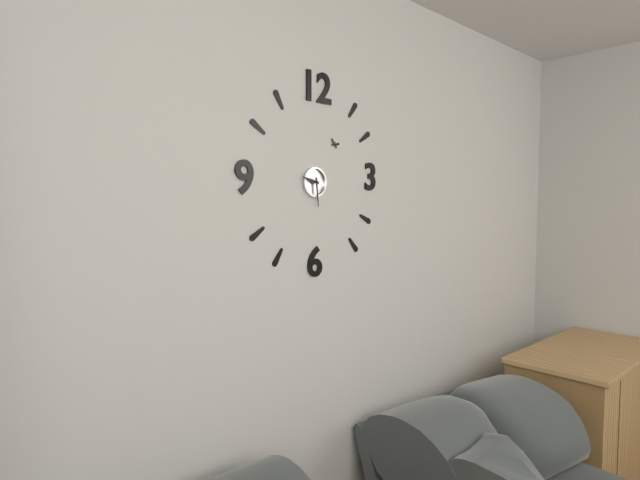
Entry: h=9 m=29
